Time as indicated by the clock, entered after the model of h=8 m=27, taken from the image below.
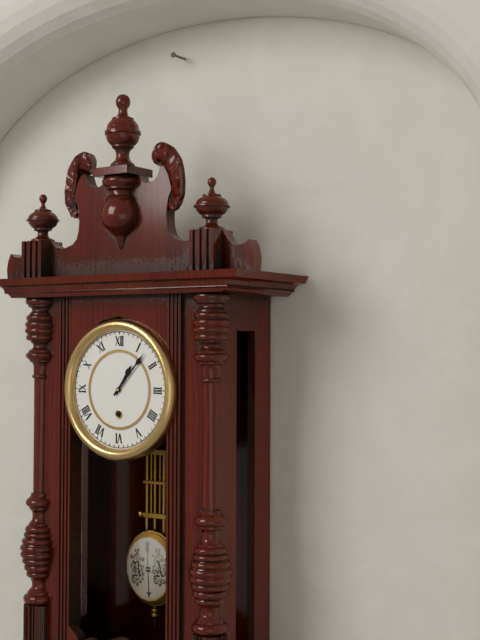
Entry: h=1 m=7
